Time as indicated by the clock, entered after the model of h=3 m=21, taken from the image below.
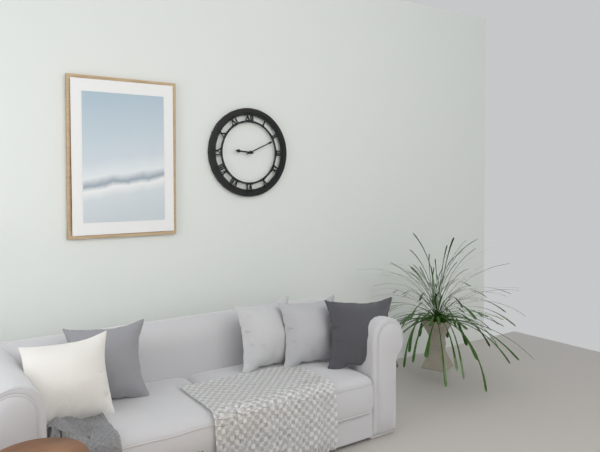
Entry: h=9 m=11
